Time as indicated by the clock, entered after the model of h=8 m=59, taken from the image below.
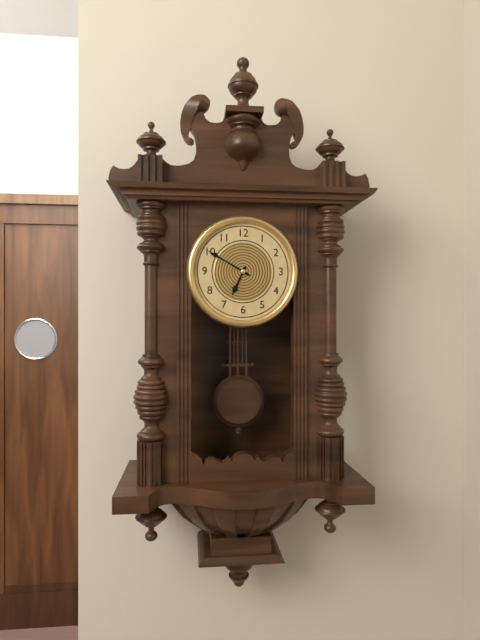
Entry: h=6 m=50
